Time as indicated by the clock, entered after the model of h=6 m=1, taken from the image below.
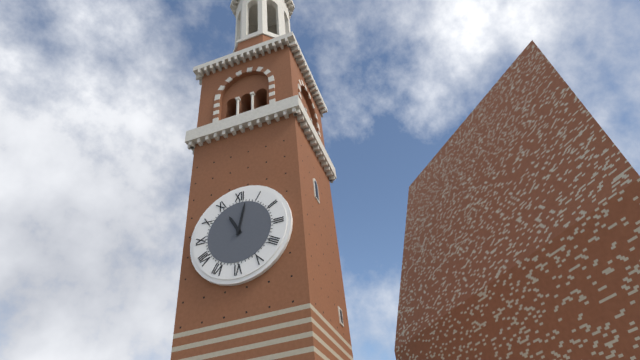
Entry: h=11 m=2
